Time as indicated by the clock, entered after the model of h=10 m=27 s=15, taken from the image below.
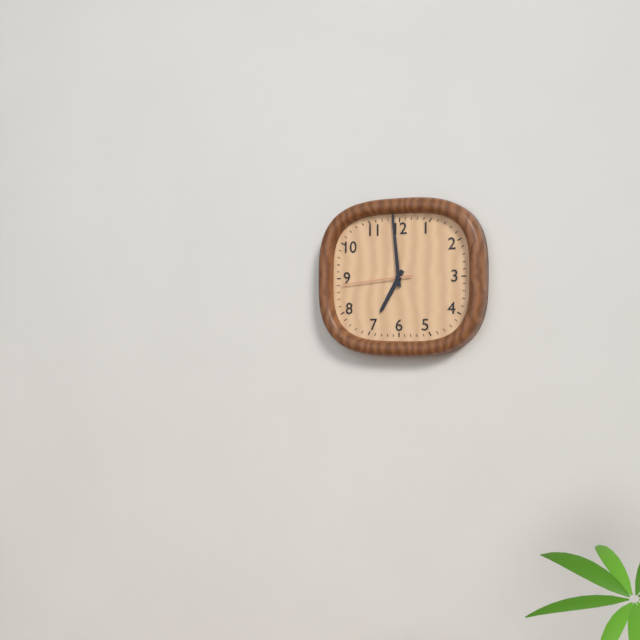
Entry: h=6 m=59 s=44
